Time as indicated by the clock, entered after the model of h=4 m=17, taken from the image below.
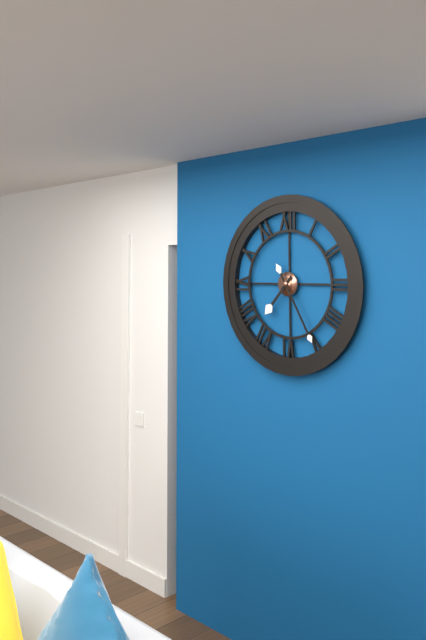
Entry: h=7 m=25
